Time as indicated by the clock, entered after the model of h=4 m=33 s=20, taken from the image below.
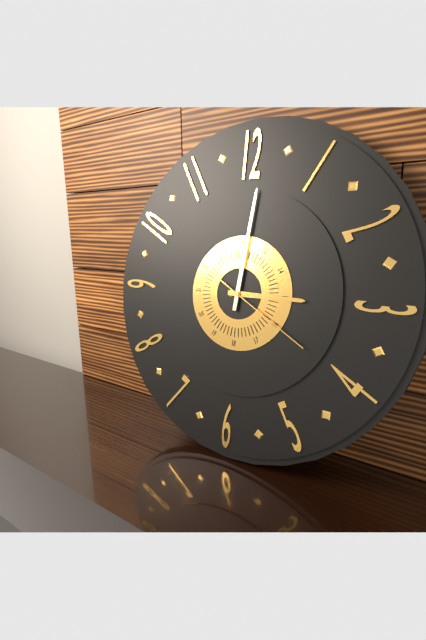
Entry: h=3 m=1 s=20
